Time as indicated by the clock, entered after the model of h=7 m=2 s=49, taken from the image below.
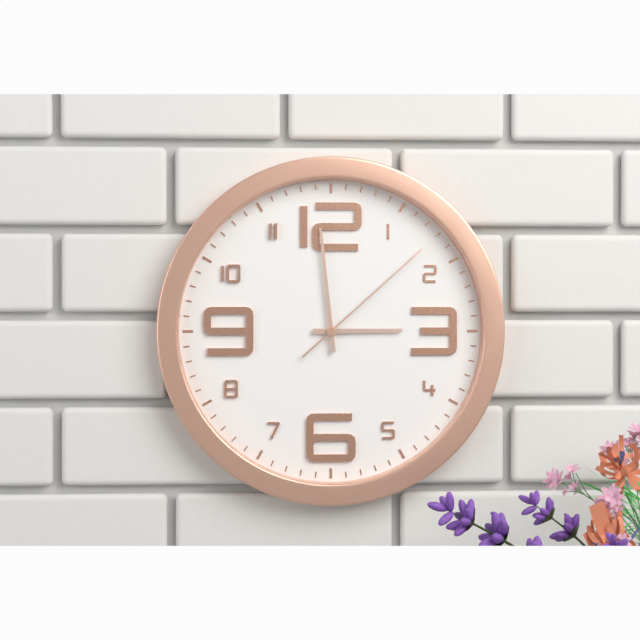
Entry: h=2 m=59 s=8
